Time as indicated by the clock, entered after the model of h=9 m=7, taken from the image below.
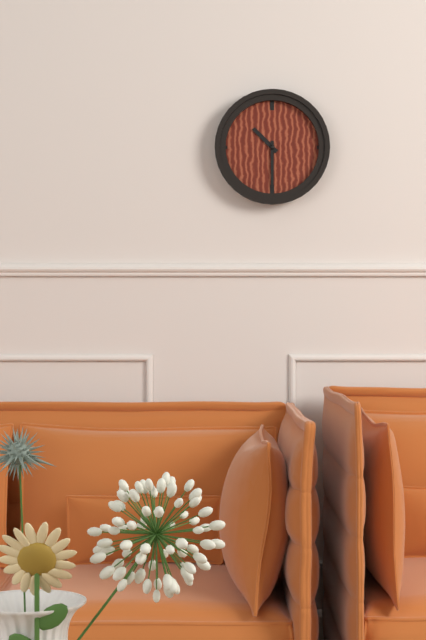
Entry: h=10 m=30
